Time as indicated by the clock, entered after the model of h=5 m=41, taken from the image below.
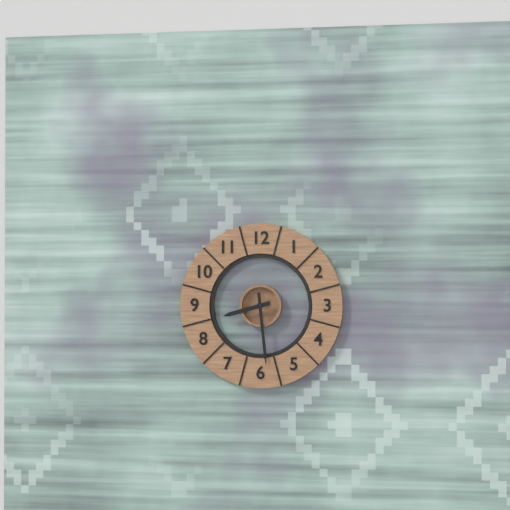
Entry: h=8 m=29
